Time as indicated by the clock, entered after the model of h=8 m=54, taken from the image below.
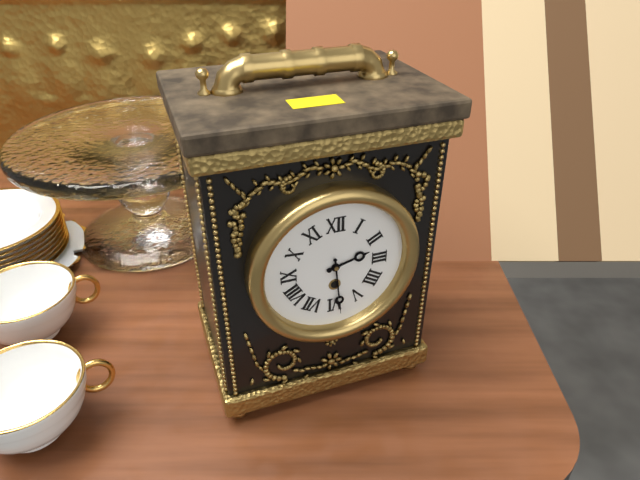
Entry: h=2 m=29
